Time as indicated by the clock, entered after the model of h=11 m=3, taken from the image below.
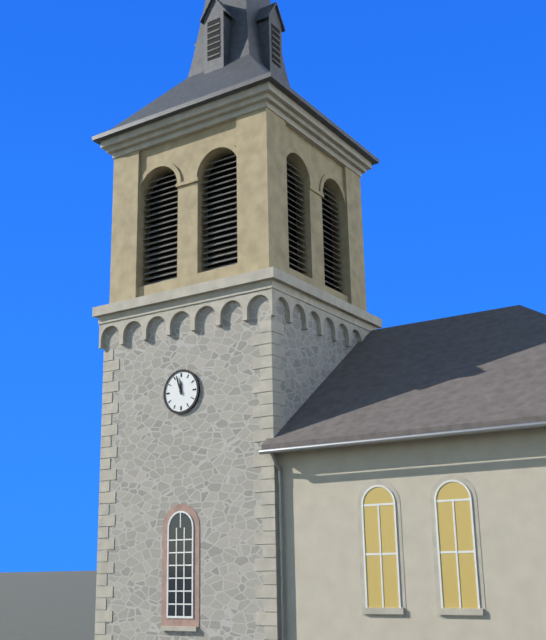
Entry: h=11 m=57
